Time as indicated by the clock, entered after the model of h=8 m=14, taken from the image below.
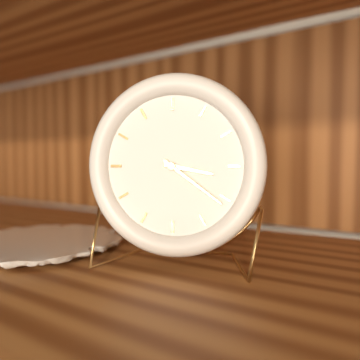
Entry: h=3 m=21
